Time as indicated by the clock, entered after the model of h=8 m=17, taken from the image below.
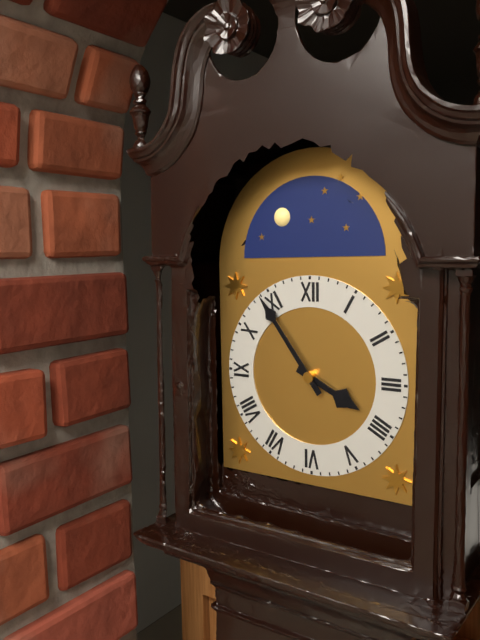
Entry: h=3 m=54
